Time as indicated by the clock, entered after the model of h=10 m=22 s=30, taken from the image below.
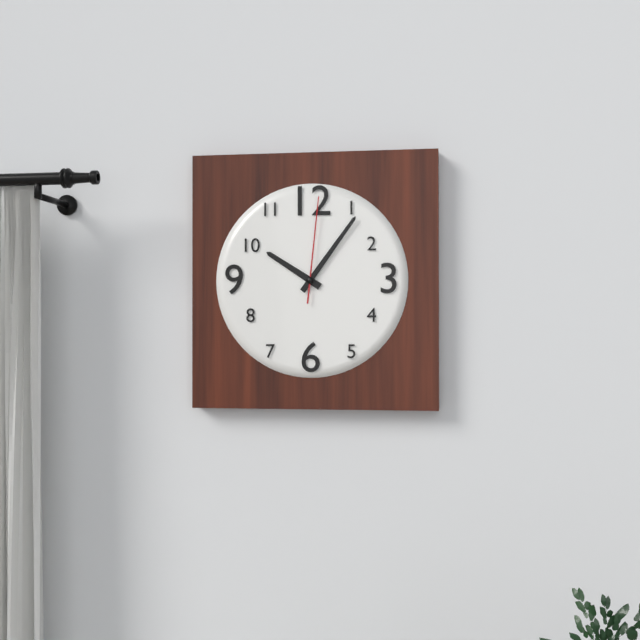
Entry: h=10 m=6 s=1
